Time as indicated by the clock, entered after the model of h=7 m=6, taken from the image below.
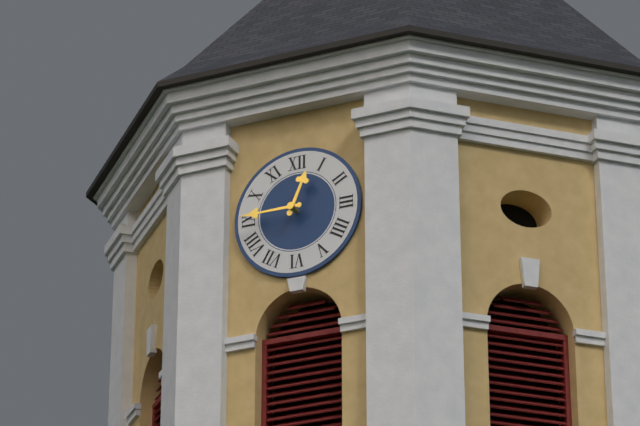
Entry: h=12 m=45
